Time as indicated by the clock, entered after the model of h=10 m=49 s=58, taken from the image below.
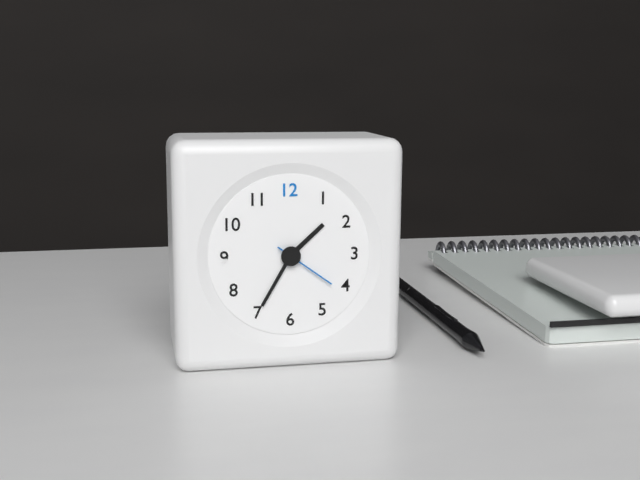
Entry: h=1 m=35 s=21
